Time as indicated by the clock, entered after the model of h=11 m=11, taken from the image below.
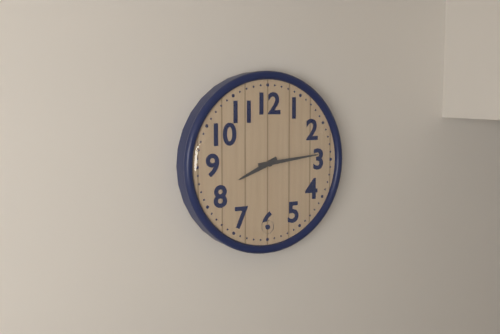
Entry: h=8 m=14
